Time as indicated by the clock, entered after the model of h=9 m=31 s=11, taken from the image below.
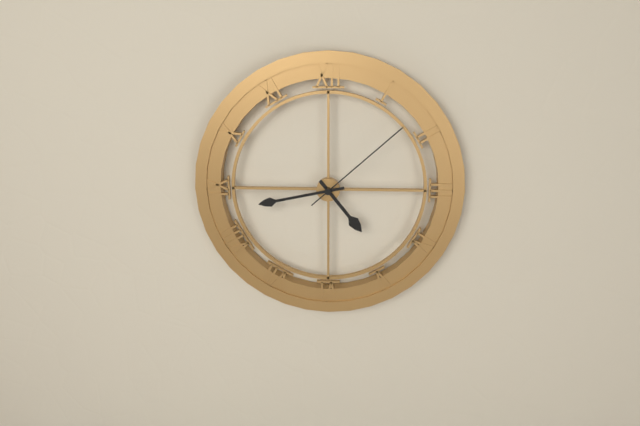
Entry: h=4 m=43 s=8
